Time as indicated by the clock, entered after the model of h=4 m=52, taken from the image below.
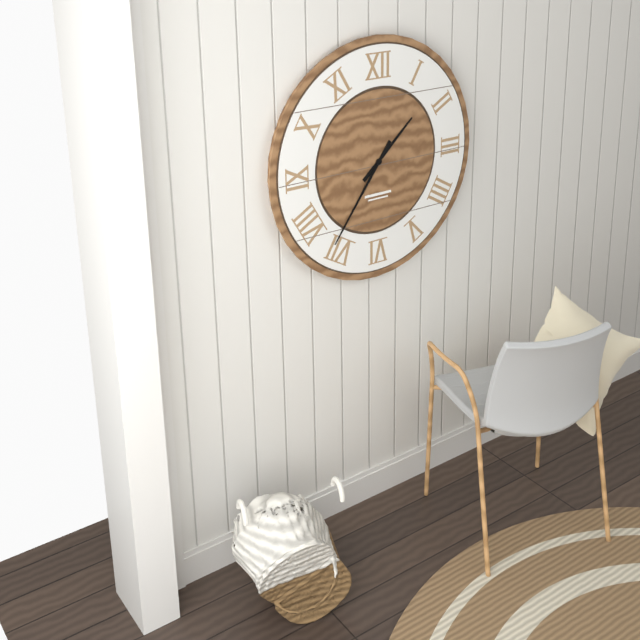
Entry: h=1 m=36
